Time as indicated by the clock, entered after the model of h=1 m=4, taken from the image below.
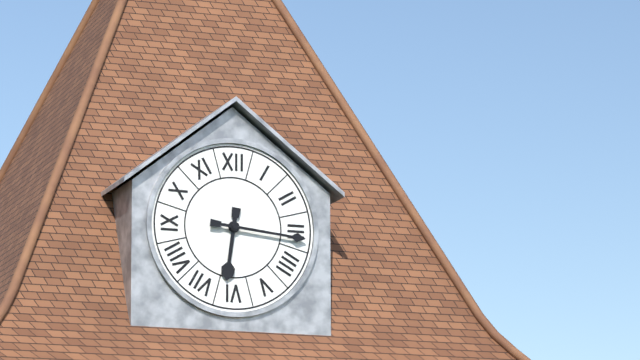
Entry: h=6 m=16
